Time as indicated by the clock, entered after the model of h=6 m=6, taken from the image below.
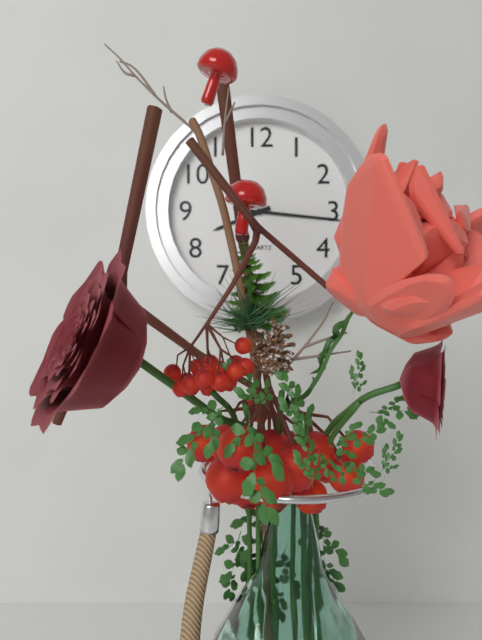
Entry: h=8 m=16
